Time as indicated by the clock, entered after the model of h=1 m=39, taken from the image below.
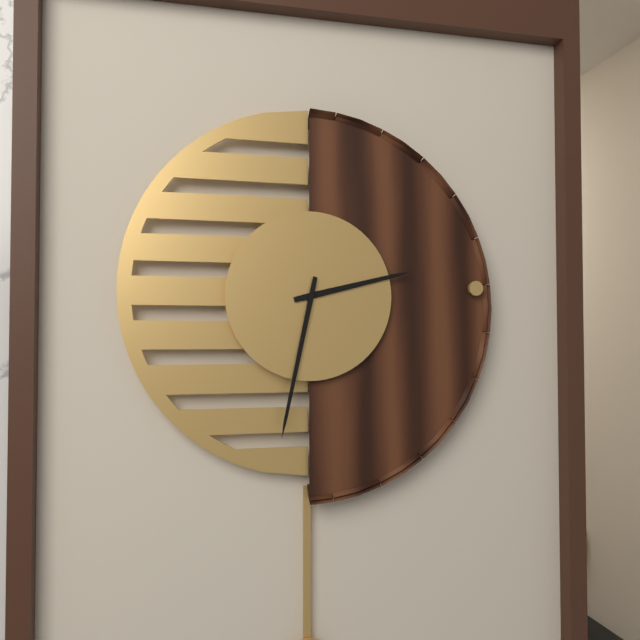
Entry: h=2 m=32
